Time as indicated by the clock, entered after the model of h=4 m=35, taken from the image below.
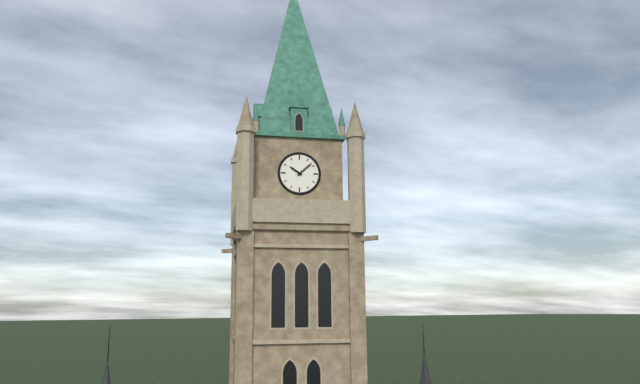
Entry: h=10 m=8
